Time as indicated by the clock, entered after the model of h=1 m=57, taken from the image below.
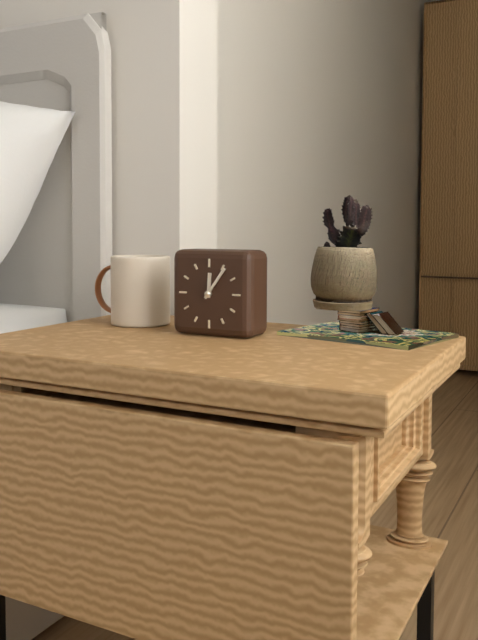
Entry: h=12 m=6
